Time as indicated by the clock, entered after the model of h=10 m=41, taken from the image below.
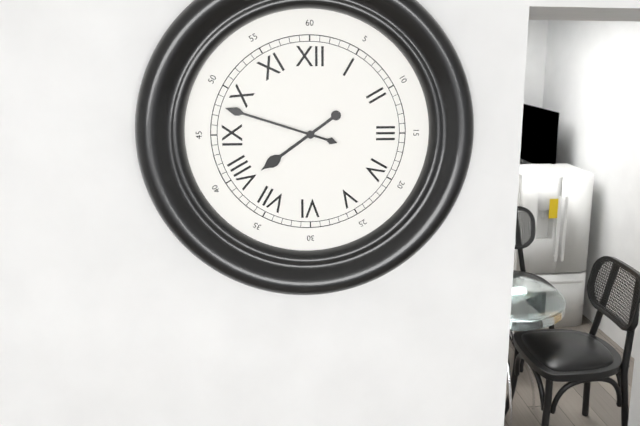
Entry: h=7 m=48
